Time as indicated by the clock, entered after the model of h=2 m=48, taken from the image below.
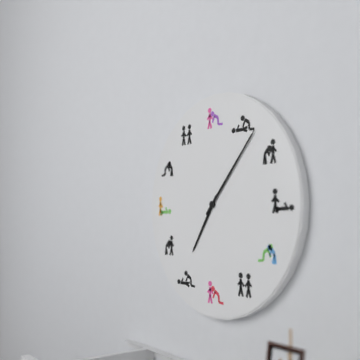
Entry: h=7 m=7
